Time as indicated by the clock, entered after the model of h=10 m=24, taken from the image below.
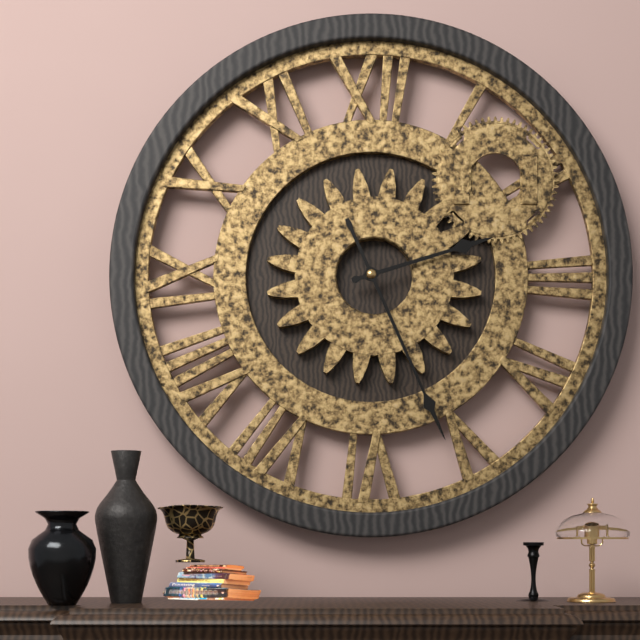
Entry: h=2 m=26
